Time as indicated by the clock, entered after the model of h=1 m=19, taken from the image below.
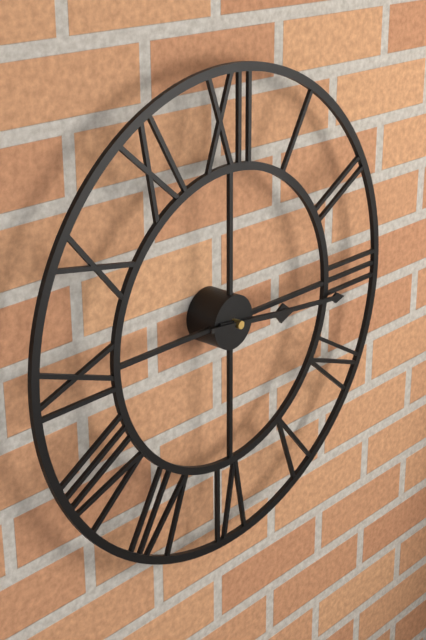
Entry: h=3 m=16
